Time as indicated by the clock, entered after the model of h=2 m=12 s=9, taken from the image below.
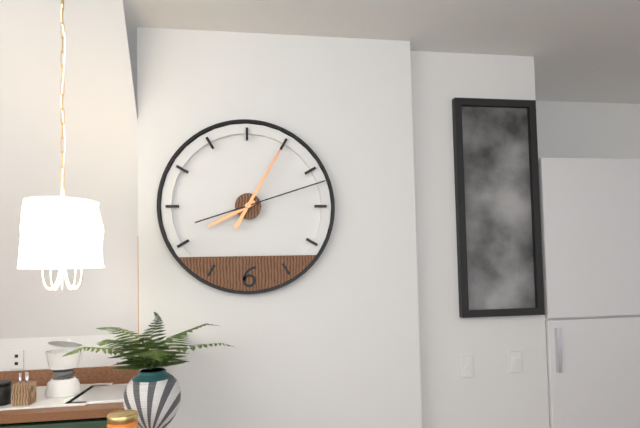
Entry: h=8 m=5 s=12
